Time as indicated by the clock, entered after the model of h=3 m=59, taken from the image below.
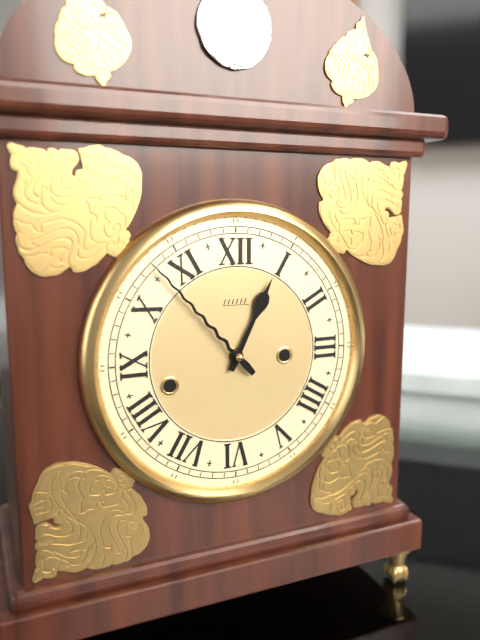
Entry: h=12 m=53
